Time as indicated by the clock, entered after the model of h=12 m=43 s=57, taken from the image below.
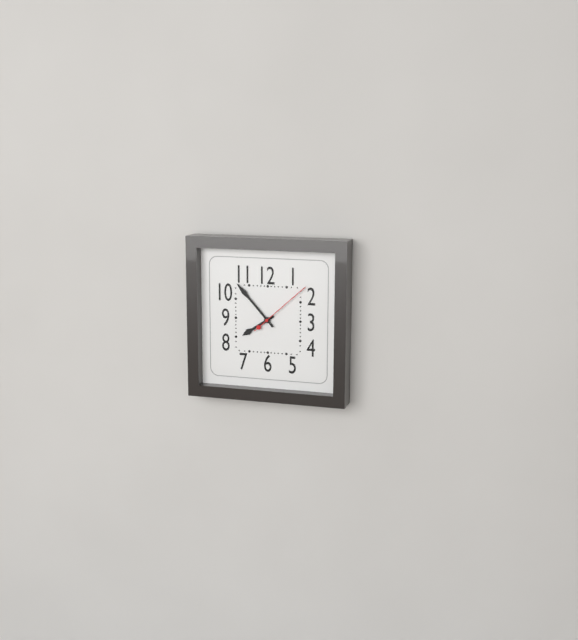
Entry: h=7 m=53 s=8
